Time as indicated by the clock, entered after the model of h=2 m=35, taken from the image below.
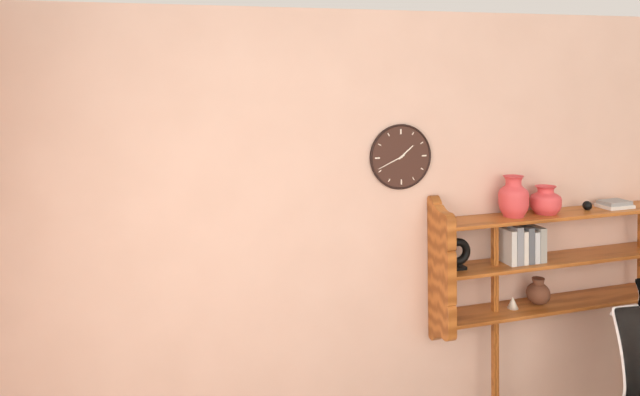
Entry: h=1 m=41
